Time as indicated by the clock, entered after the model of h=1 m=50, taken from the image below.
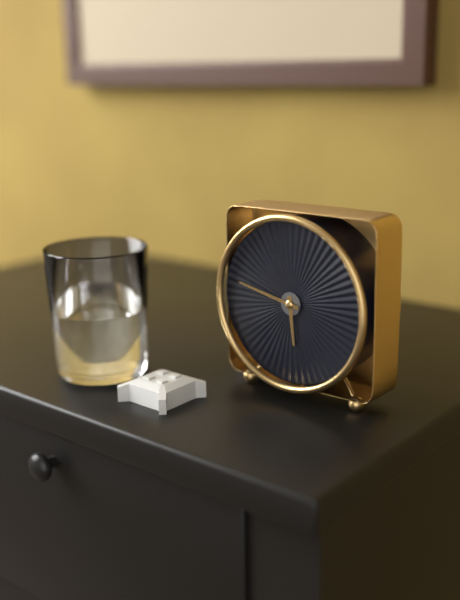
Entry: h=5 m=47
